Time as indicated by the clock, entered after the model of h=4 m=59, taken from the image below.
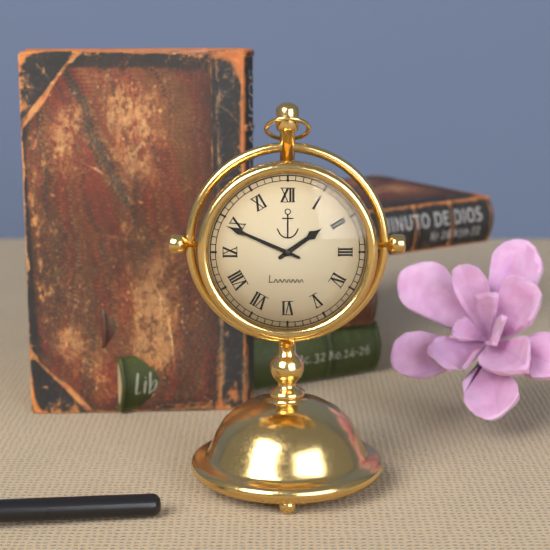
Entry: h=1 m=49
